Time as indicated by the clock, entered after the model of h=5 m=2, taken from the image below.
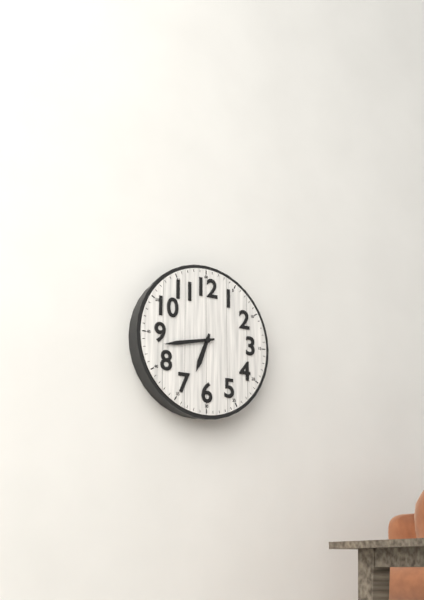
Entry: h=6 m=43
